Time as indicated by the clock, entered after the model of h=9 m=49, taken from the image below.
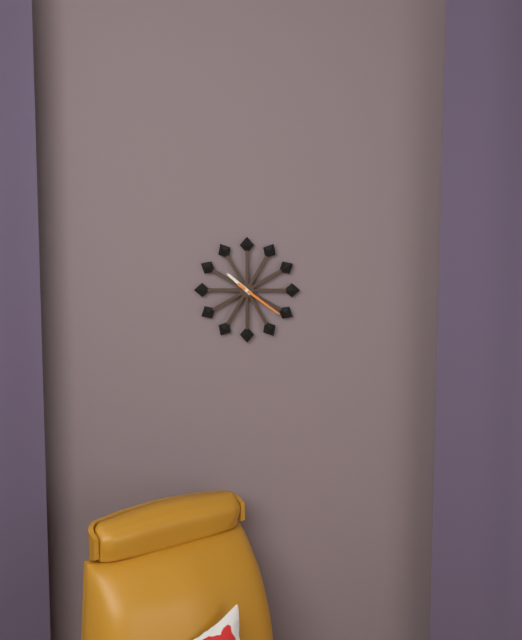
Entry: h=10 m=21
